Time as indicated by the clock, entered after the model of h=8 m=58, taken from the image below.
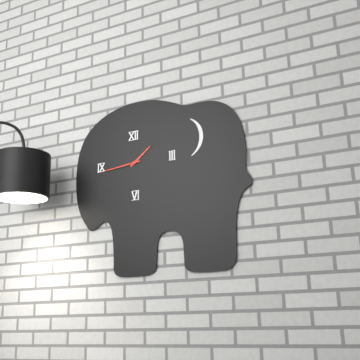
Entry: h=1 m=44
